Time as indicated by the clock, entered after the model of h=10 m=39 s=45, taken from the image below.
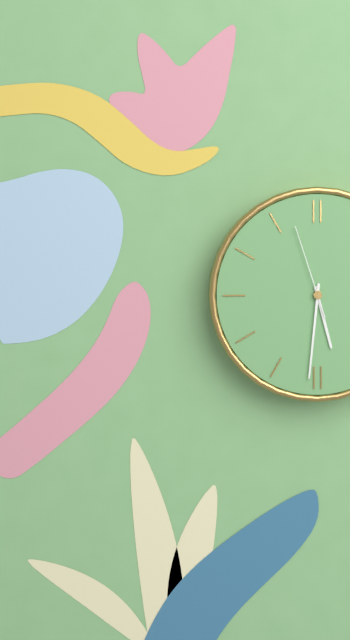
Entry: h=5 m=31 s=57
